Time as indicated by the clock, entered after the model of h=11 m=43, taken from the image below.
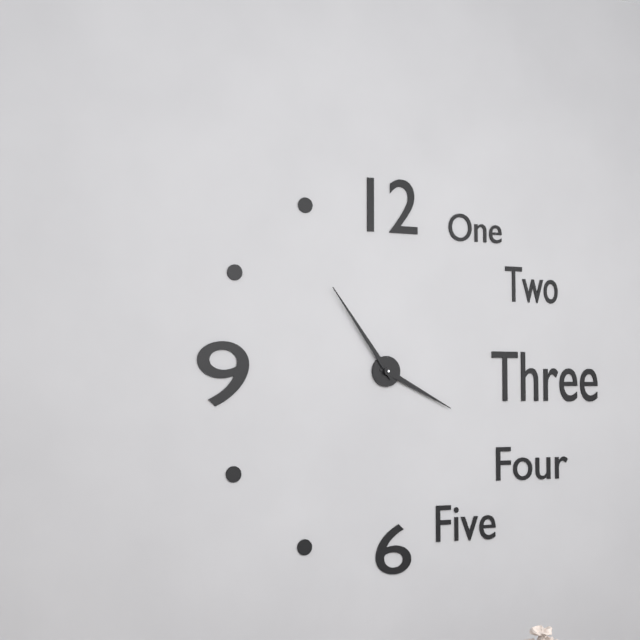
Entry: h=3 m=54
